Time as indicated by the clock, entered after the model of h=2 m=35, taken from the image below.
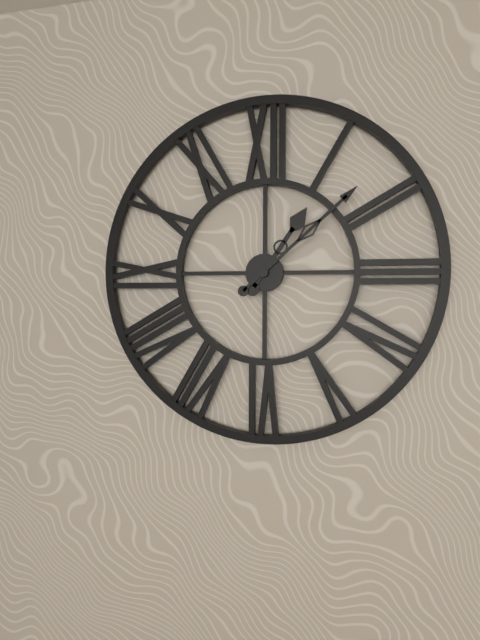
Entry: h=1 m=8
